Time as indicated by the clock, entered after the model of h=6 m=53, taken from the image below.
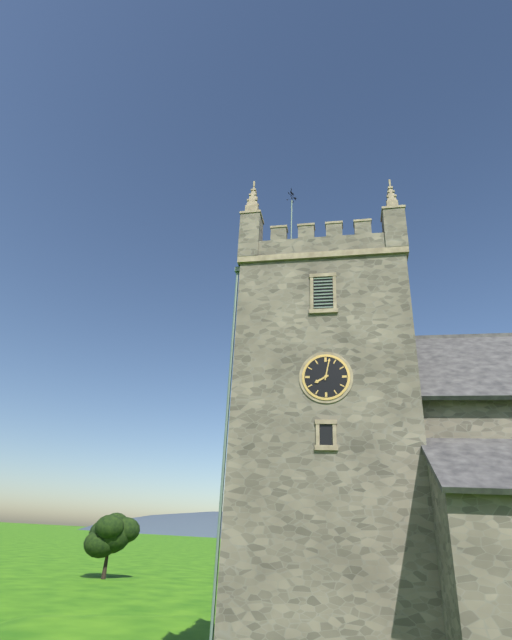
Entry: h=8 m=2
